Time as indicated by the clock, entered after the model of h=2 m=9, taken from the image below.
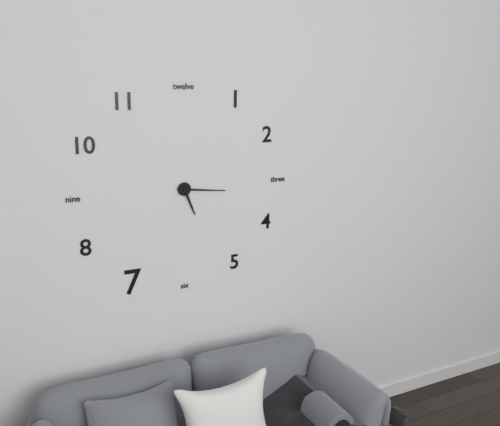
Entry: h=5 m=16
